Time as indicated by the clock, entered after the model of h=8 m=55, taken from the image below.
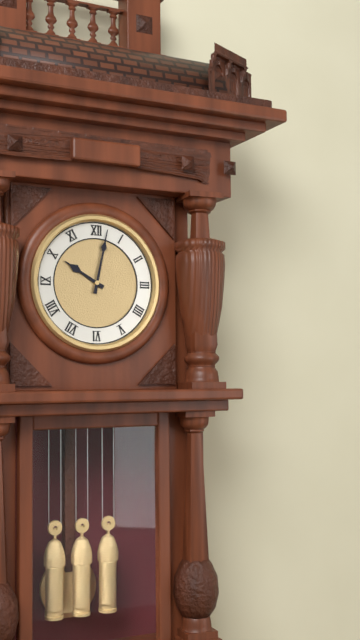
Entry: h=10 m=2
